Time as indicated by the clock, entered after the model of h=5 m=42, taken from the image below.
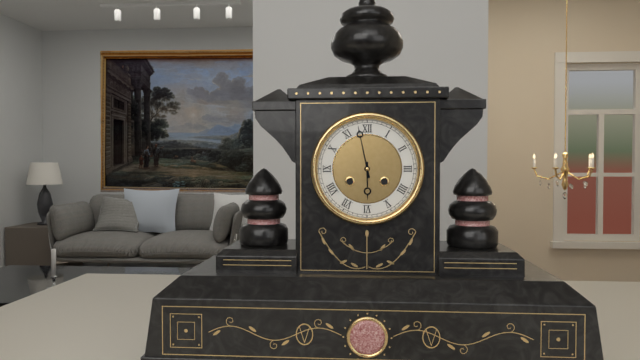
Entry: h=5 m=58
